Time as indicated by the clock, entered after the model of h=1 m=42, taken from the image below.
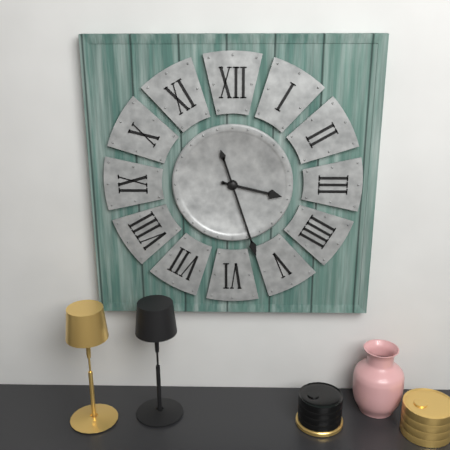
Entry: h=3 m=27
